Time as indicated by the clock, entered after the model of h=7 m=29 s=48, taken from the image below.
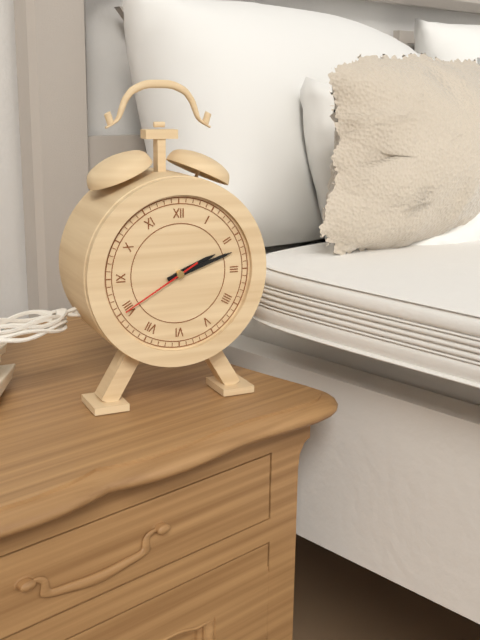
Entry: h=2 m=12 s=40
